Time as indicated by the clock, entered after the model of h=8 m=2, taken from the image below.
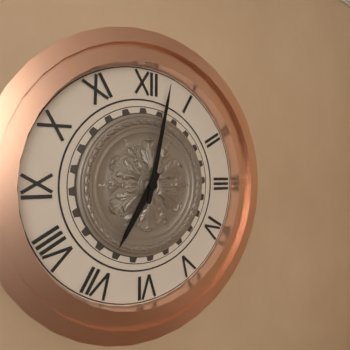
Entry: h=7 m=2
